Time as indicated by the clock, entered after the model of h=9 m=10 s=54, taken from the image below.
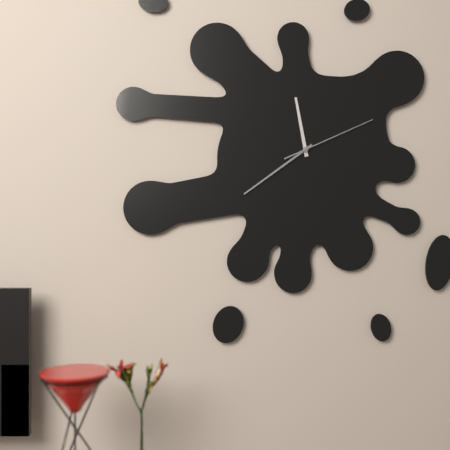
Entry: h=11 m=39 s=11
